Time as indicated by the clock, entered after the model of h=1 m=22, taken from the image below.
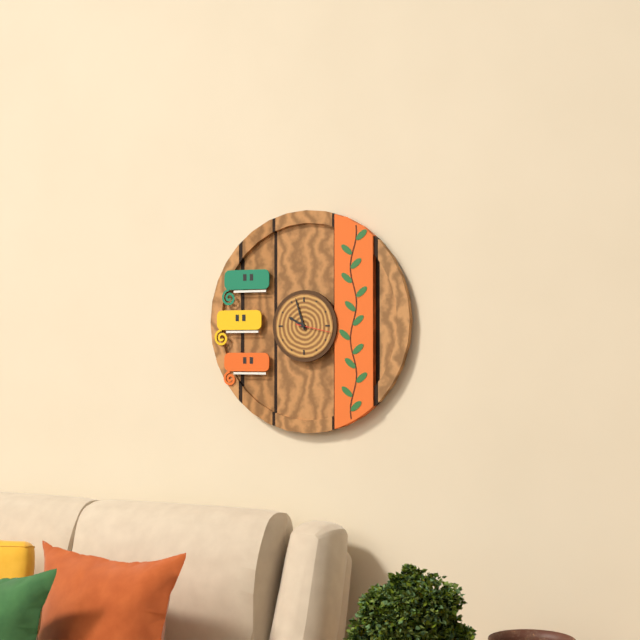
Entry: h=9 m=57
